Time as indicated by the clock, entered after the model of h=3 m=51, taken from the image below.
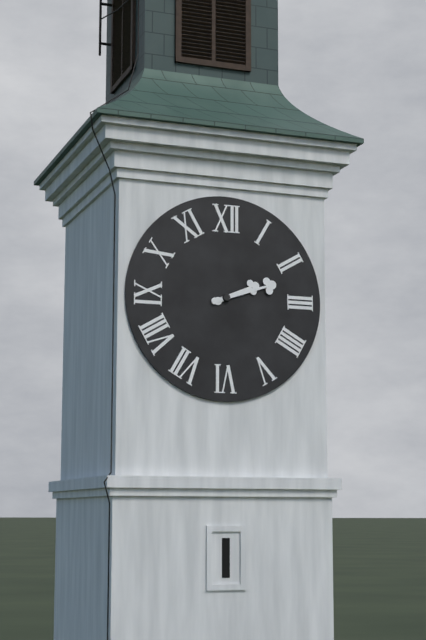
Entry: h=2 m=12
